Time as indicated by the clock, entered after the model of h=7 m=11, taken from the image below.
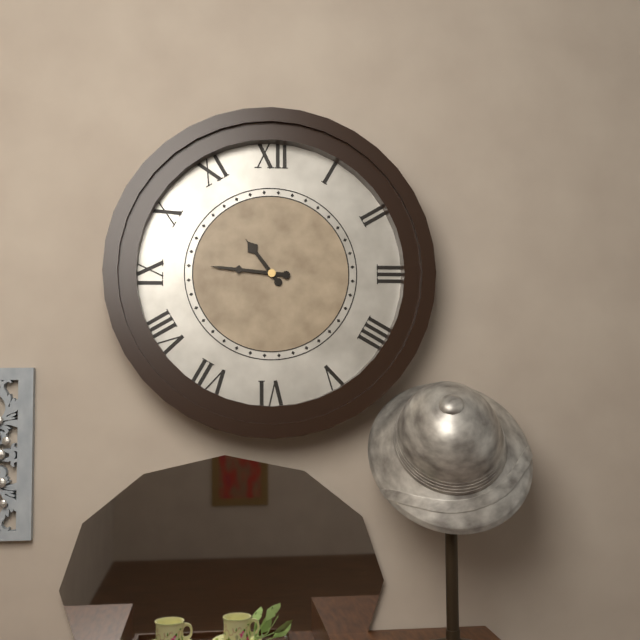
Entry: h=10 m=46
